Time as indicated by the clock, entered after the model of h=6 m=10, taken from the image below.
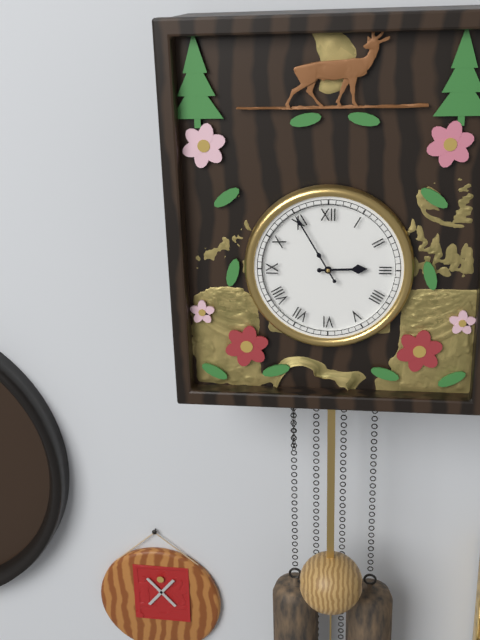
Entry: h=2 m=55
